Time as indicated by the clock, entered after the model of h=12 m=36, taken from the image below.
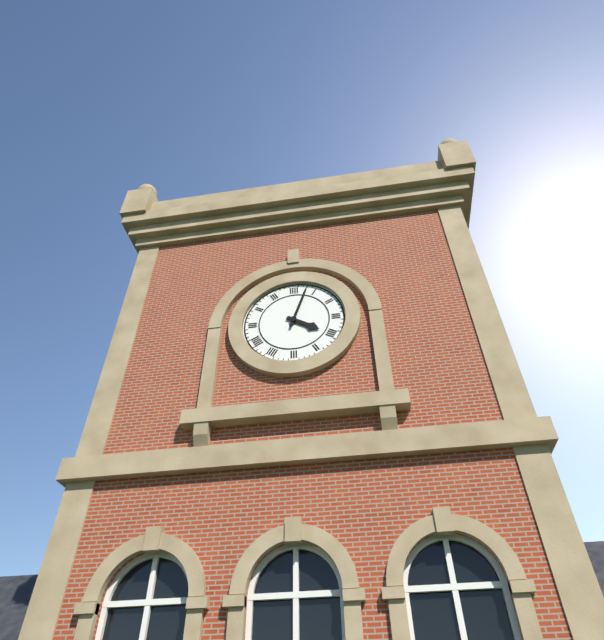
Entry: h=4 m=3
